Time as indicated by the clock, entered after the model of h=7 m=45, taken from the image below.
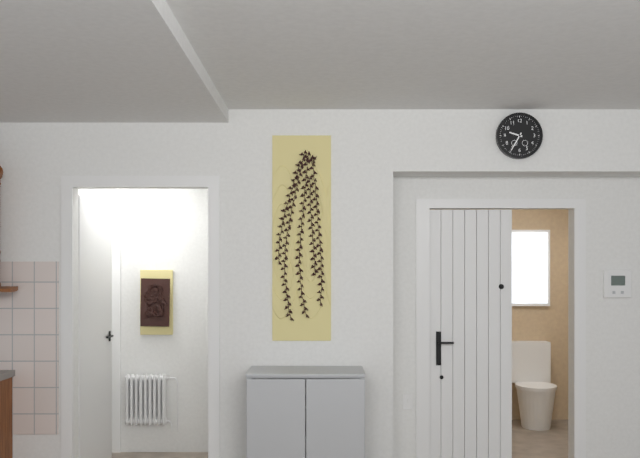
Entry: h=9 m=35
